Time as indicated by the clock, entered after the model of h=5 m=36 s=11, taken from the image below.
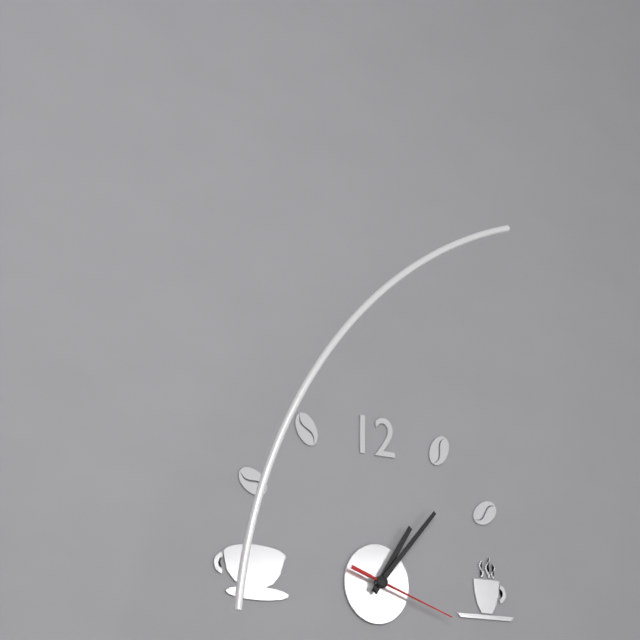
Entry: h=1 m=7 s=18
